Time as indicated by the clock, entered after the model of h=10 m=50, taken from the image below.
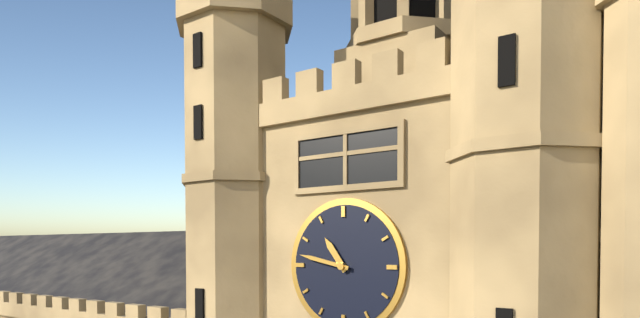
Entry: h=10 m=47
